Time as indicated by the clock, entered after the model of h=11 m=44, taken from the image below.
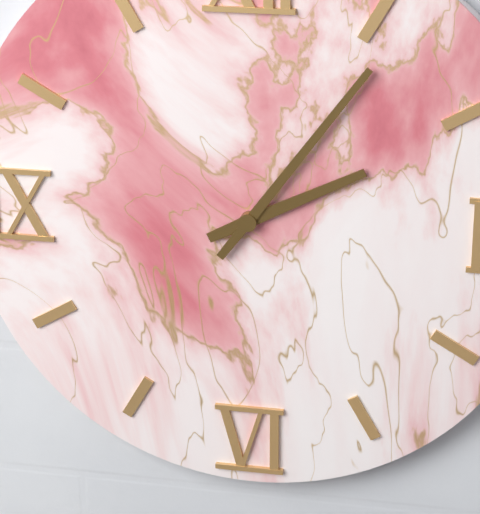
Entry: h=2 m=6
